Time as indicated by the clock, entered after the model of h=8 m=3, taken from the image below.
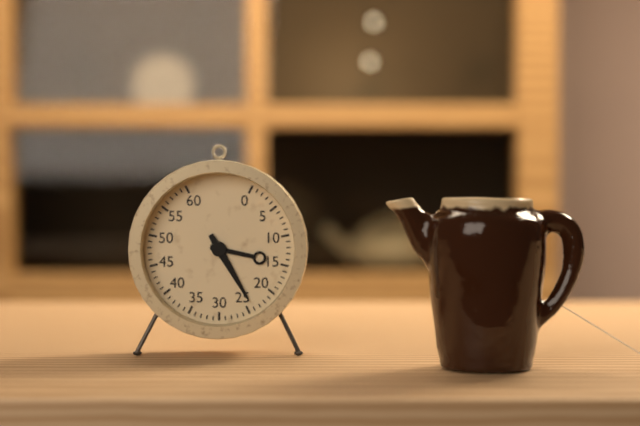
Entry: h=3 m=25
